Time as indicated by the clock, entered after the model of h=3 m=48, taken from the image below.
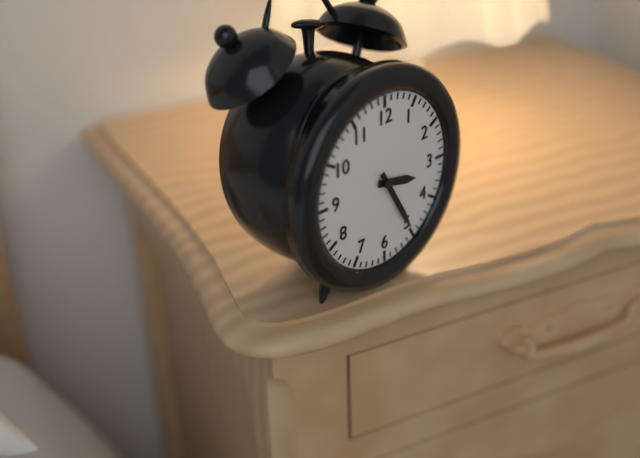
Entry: h=3 m=25
